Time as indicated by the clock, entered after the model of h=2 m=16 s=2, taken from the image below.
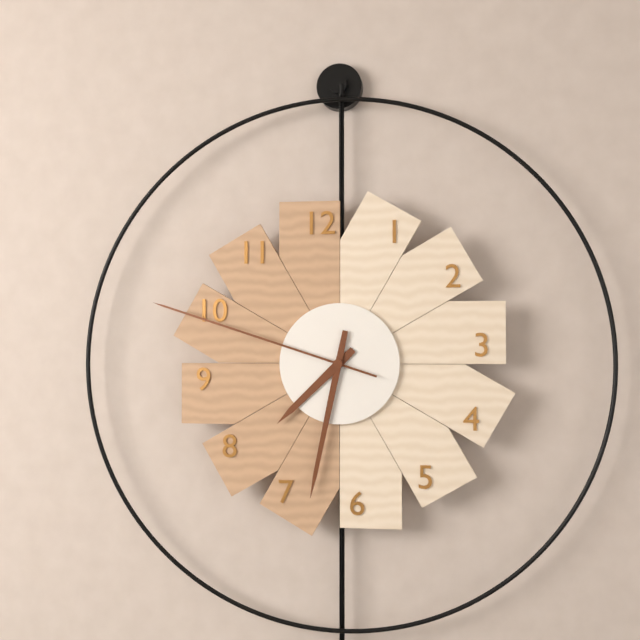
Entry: h=7 m=32 s=48
